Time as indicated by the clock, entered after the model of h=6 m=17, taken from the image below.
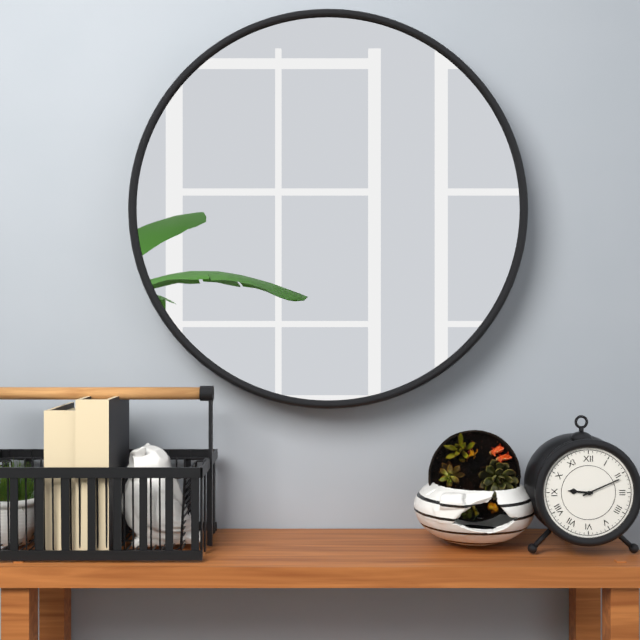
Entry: h=9 m=11
